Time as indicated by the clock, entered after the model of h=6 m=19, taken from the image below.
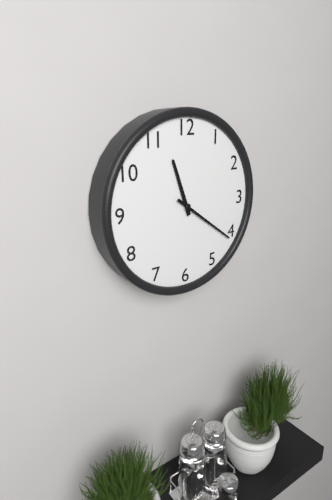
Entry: h=11 m=21
